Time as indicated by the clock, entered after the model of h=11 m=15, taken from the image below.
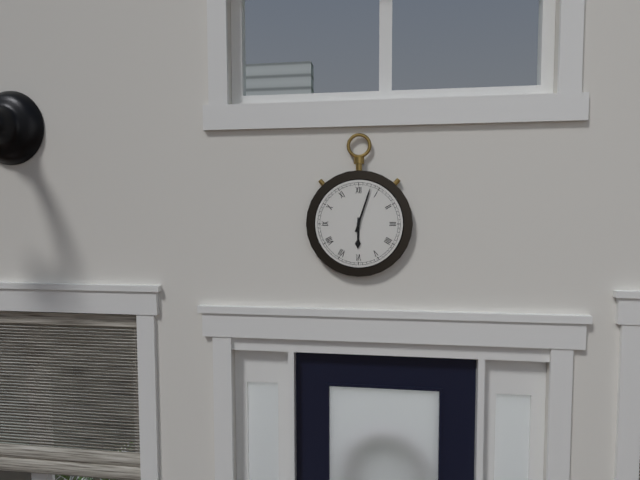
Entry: h=6 m=3
